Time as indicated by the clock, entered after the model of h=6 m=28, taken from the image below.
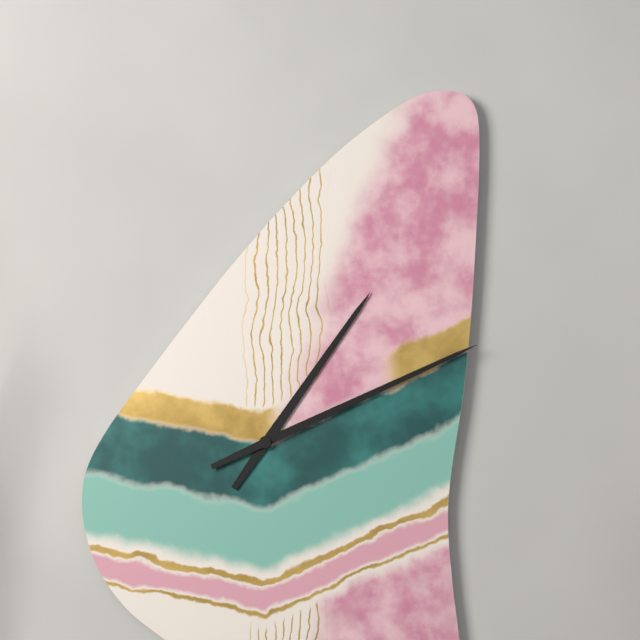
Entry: h=1 m=11
